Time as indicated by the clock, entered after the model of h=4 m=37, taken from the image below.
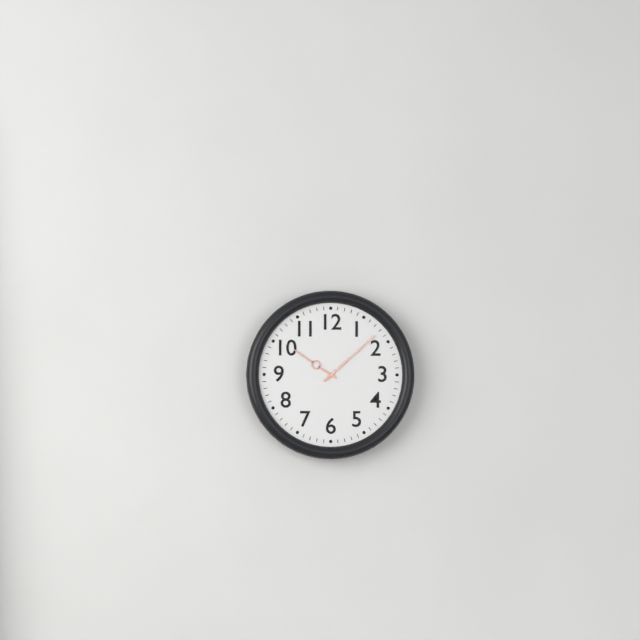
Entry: h=10 m=8
